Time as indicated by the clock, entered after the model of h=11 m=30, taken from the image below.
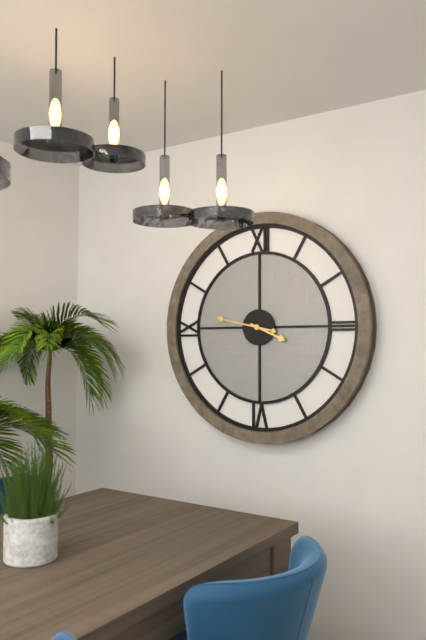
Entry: h=3 m=47
